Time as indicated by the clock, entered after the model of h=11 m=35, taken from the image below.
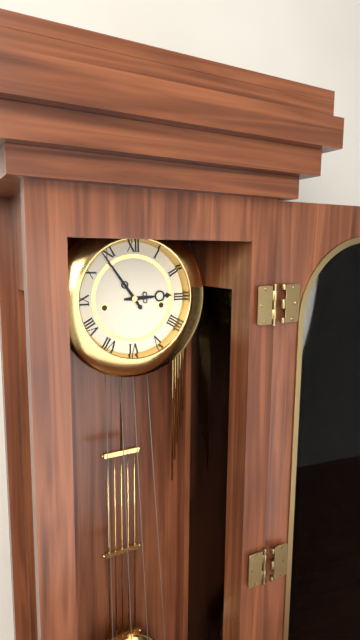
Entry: h=2 m=54
